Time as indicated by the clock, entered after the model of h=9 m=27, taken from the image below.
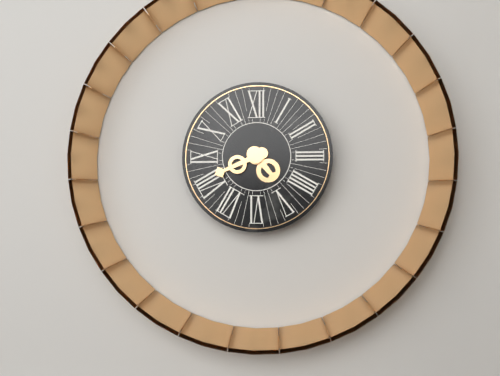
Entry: h=4 m=41
